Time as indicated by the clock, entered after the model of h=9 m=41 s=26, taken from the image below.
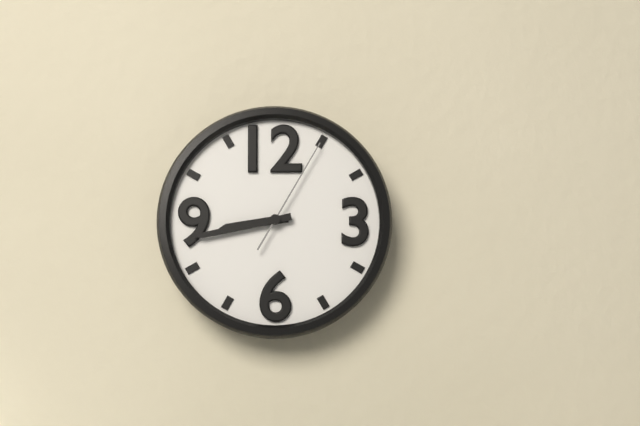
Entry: h=8 m=43 s=5
